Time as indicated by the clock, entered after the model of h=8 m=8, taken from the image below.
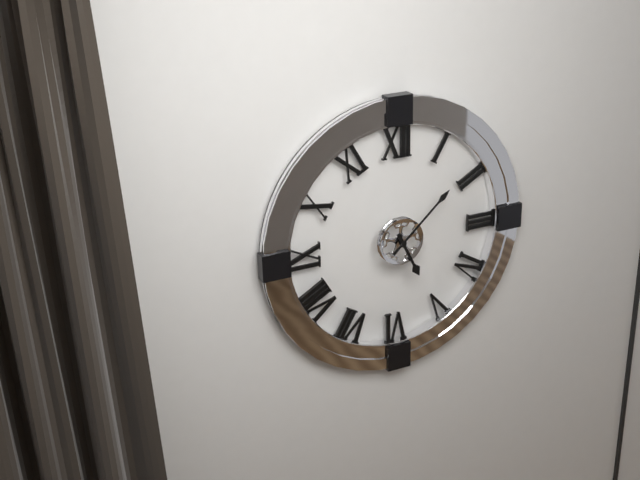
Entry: h=5 m=8
